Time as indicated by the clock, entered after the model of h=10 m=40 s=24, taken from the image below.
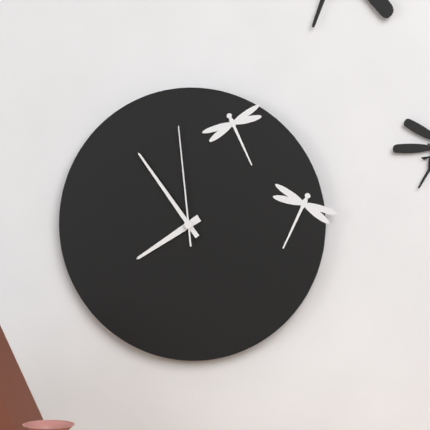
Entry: h=7 m=54 s=59
